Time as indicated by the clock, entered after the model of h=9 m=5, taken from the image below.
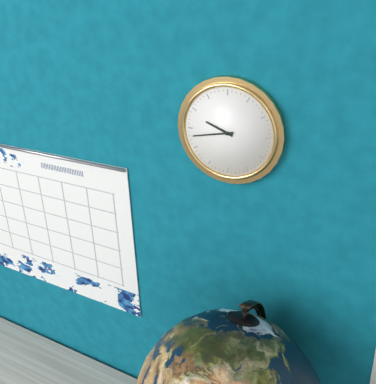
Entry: h=9 m=43
